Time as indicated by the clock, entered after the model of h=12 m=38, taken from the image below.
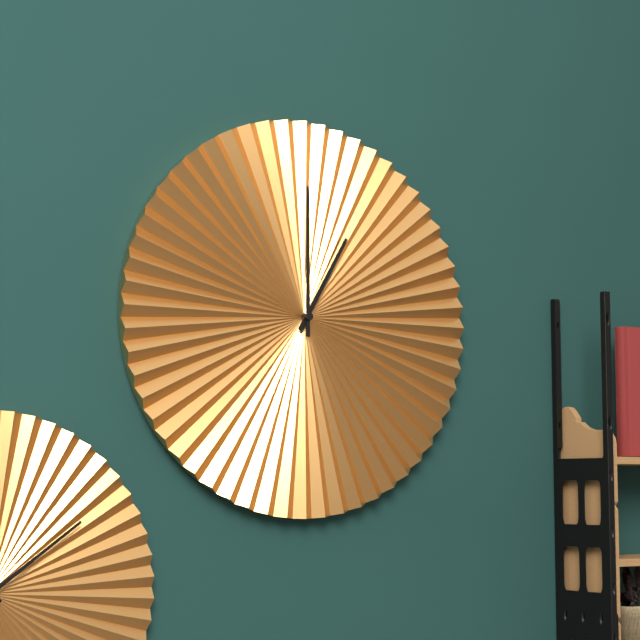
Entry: h=1 m=0
